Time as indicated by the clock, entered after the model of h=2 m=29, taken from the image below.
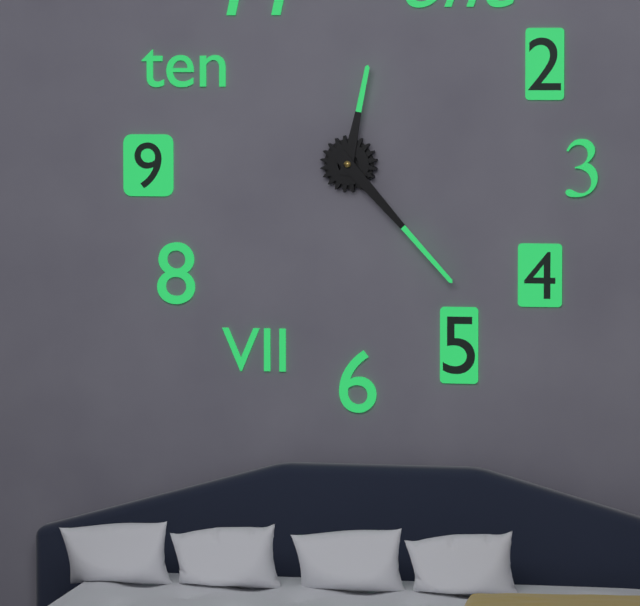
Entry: h=12 m=23
